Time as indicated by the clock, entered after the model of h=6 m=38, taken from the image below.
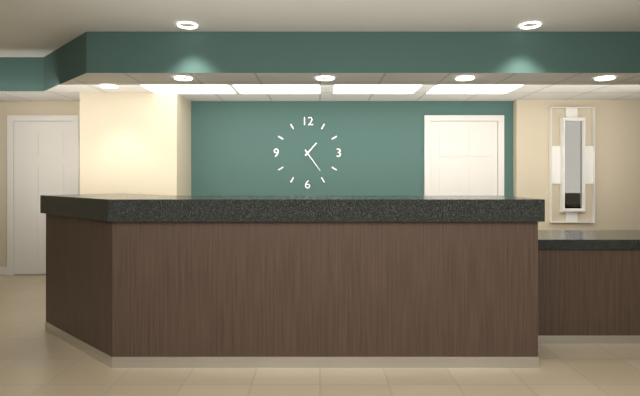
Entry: h=1 m=24
